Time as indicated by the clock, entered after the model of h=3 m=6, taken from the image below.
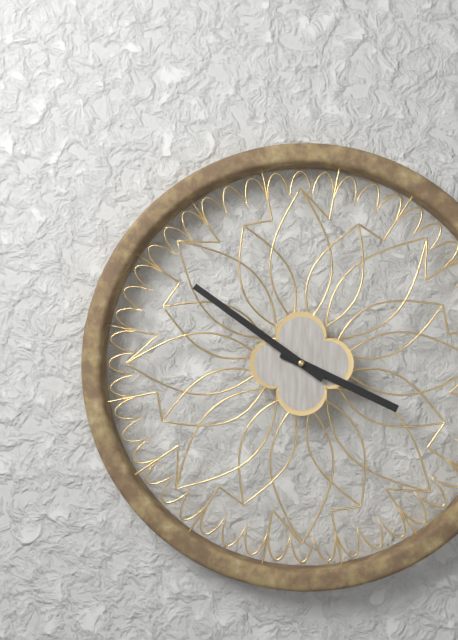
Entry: h=3 m=51
